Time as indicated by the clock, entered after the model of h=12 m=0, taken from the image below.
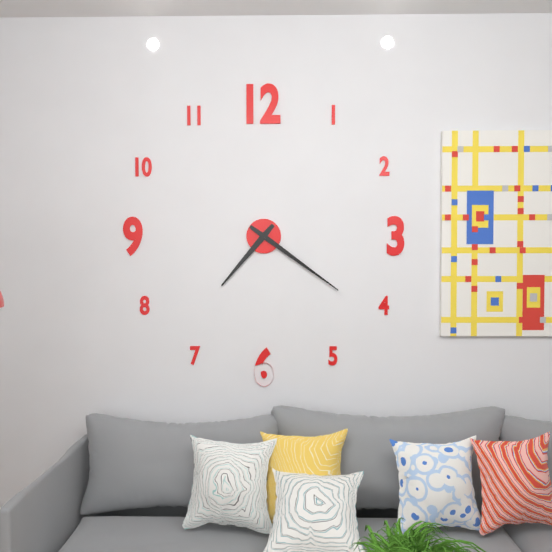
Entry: h=7 m=21
